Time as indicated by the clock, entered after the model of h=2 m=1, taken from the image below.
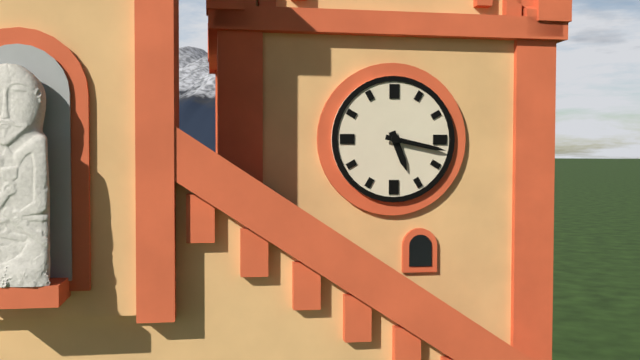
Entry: h=5 m=17
